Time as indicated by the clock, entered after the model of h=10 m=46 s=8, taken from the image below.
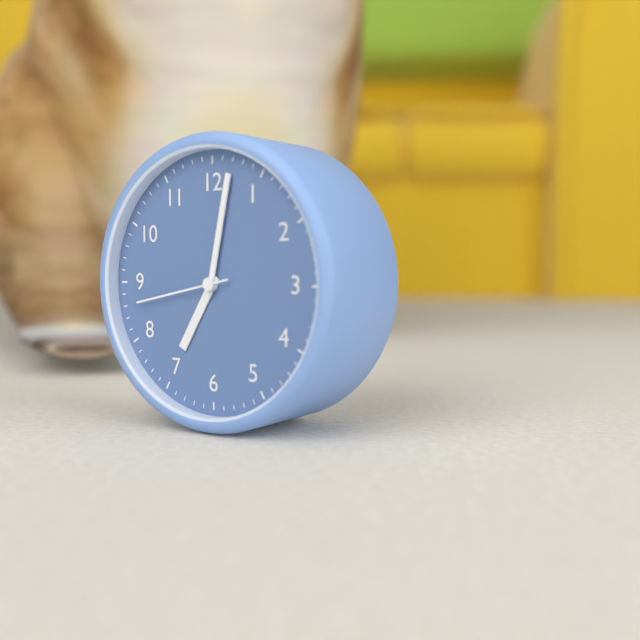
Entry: h=7 m=2 s=43
